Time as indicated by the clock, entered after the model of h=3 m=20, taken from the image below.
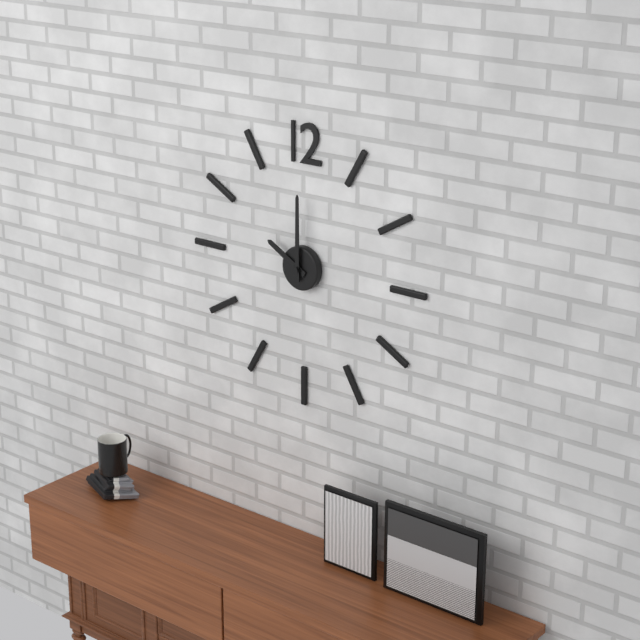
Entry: h=10 m=0
